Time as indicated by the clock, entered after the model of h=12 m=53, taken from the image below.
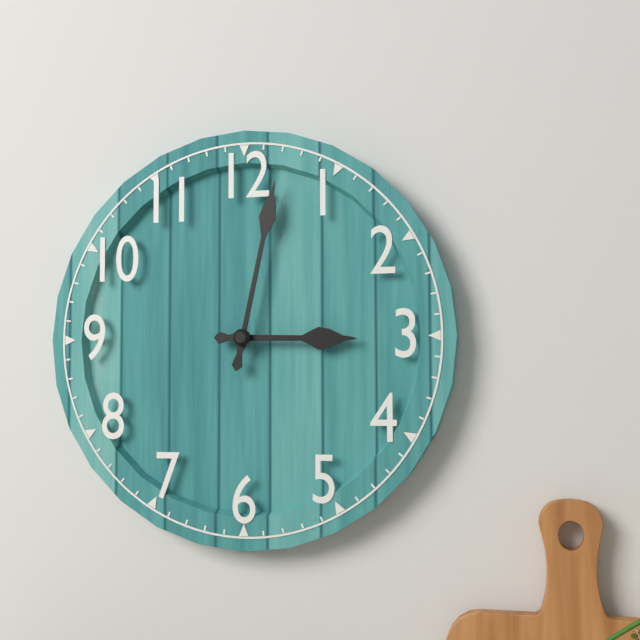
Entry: h=3 m=2
